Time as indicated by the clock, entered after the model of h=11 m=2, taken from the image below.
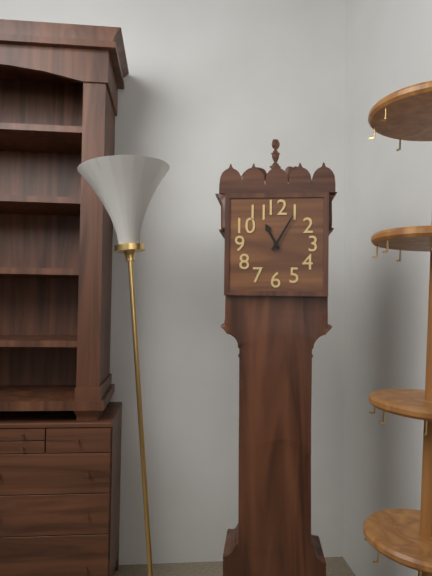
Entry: h=11 m=5
